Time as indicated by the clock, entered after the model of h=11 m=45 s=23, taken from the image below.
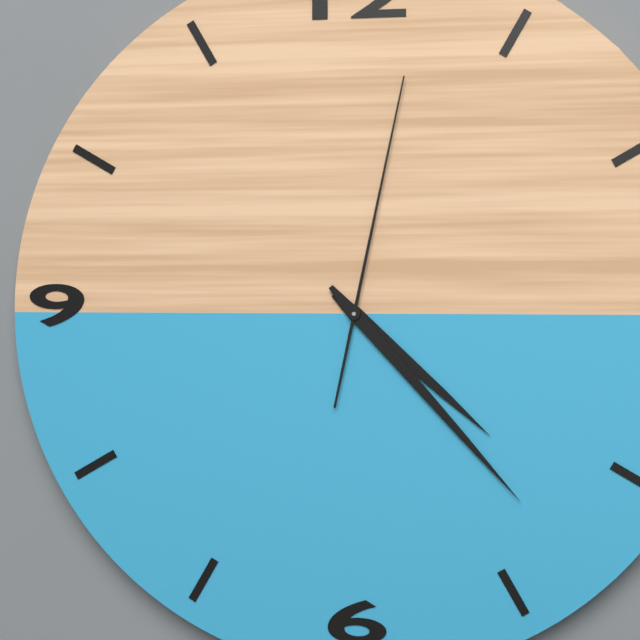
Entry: h=4 m=23 s=2
